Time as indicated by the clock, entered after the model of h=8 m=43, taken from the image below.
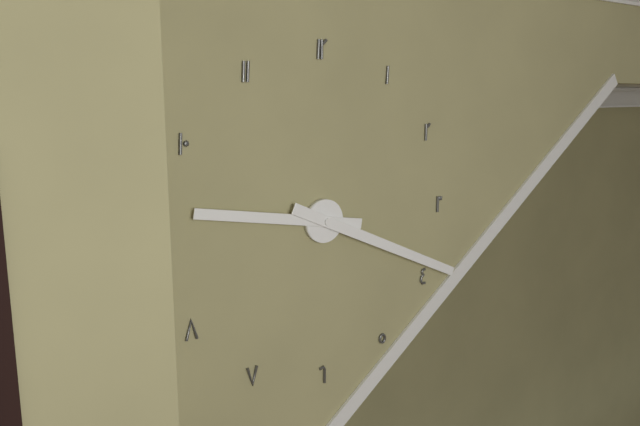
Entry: h=9 m=19
